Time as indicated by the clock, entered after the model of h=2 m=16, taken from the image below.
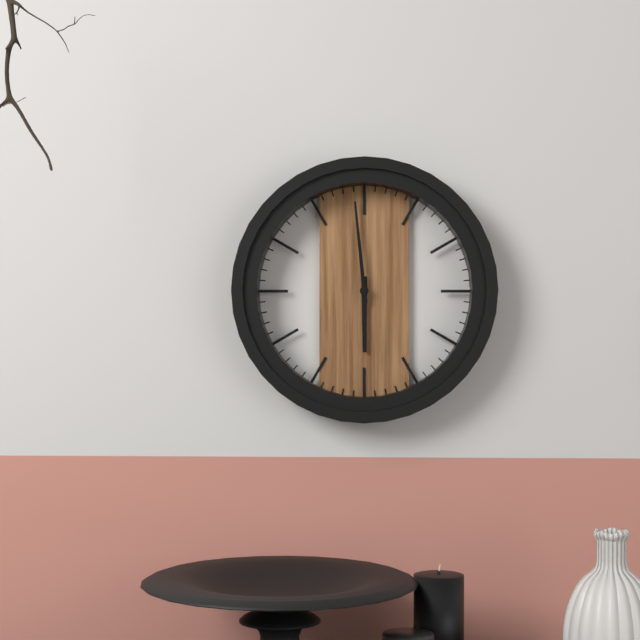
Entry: h=5 m=59
